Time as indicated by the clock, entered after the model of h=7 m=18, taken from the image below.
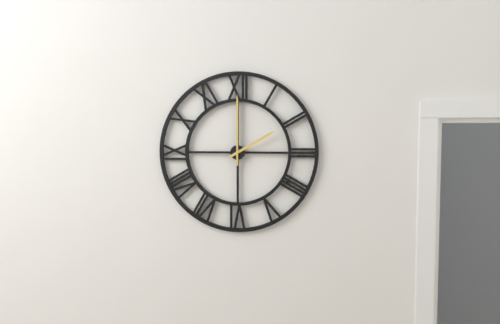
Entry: h=2 m=0
